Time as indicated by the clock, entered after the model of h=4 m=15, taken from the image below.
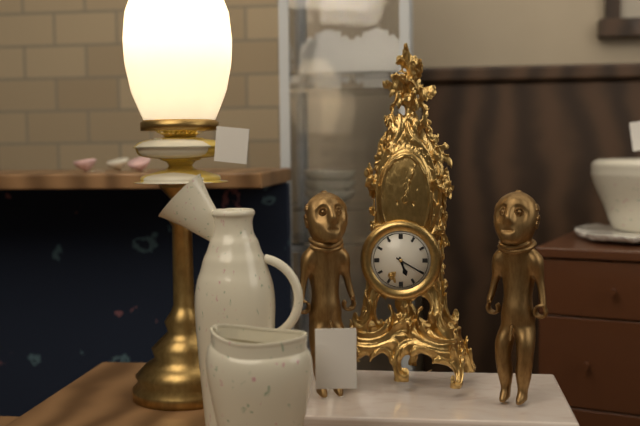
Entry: h=5 m=20
